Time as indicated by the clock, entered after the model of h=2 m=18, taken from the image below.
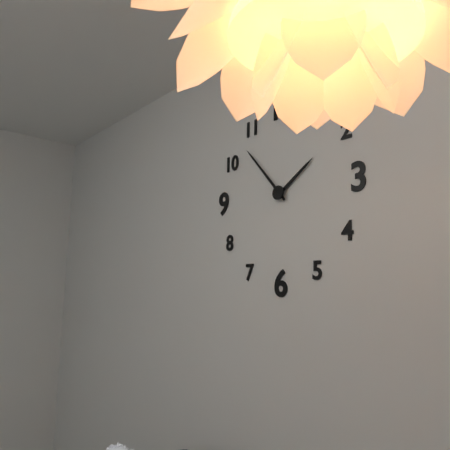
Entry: h=1 m=53
